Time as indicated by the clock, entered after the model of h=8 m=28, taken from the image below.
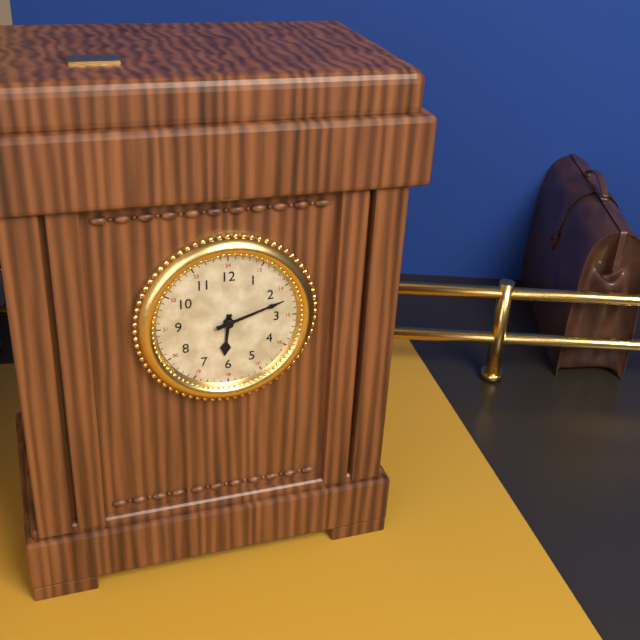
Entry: h=6 m=12
